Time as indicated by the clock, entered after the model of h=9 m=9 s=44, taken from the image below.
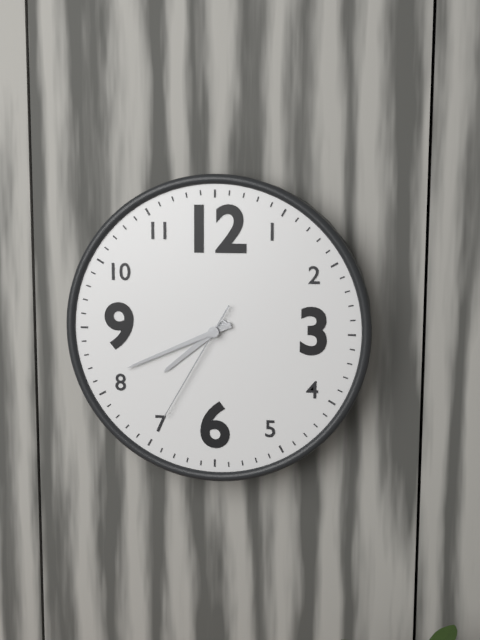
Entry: h=7 m=41 s=35
